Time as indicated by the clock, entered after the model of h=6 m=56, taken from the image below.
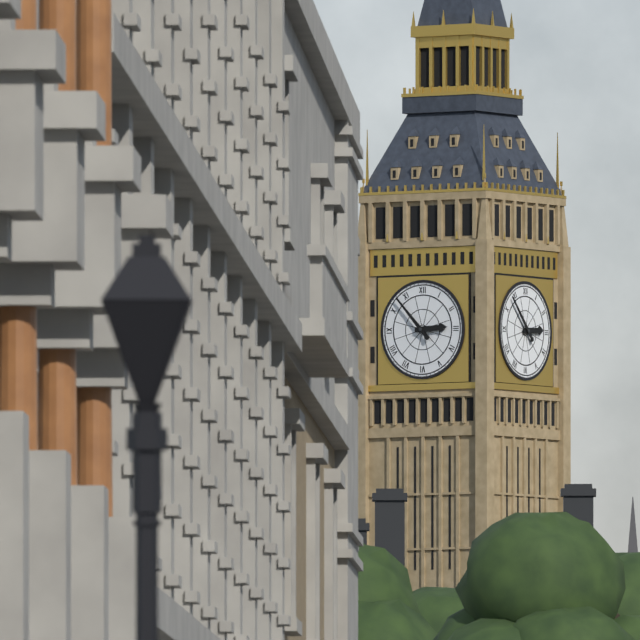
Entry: h=2 m=53
